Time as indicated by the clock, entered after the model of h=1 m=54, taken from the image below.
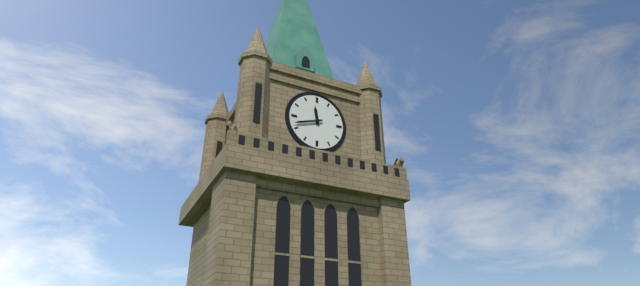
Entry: h=11 m=42
